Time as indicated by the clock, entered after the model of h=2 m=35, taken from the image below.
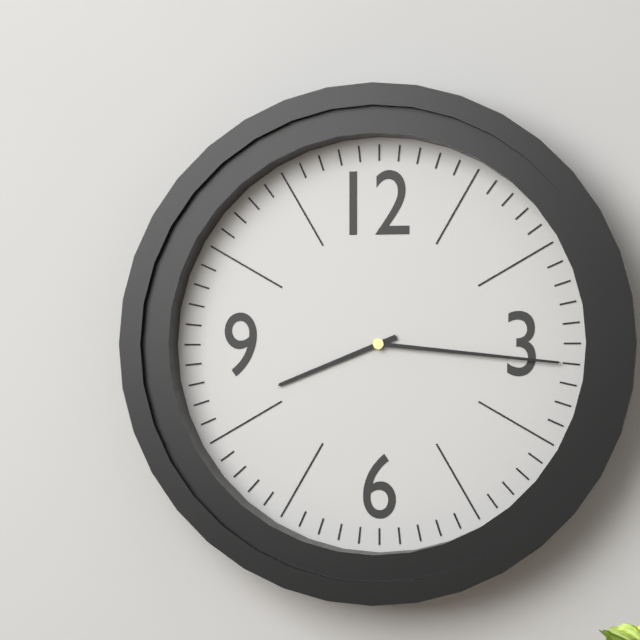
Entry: h=8 m=16
